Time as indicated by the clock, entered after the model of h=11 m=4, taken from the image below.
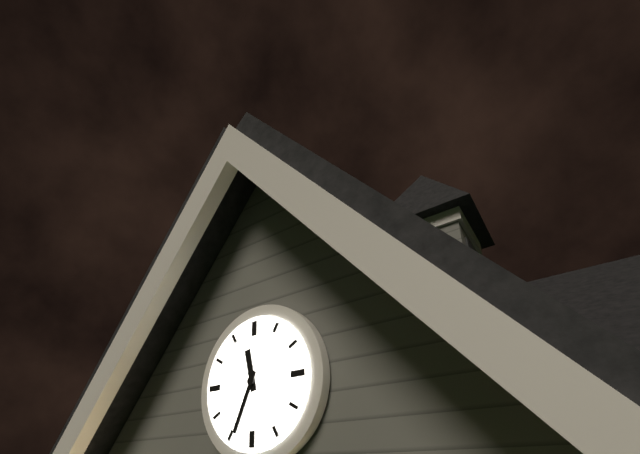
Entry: h=11 m=34
